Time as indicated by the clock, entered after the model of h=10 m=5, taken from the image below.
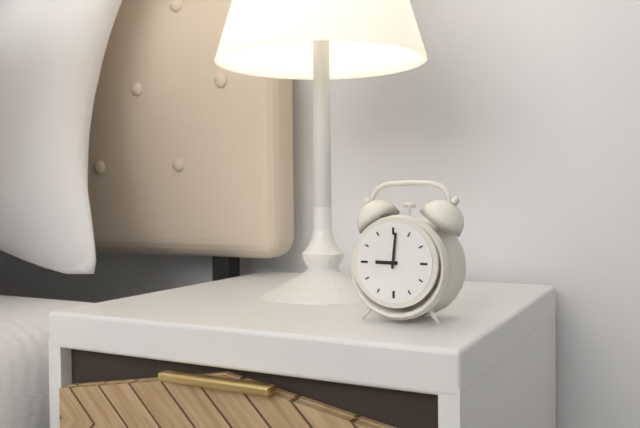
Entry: h=9 m=1
